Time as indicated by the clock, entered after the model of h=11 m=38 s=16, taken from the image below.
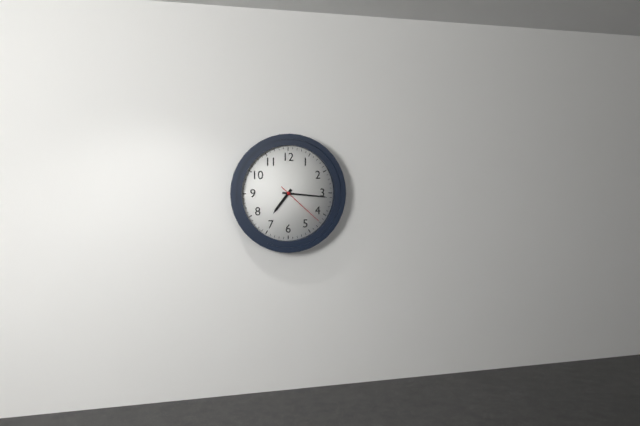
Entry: h=7 m=16 s=22
